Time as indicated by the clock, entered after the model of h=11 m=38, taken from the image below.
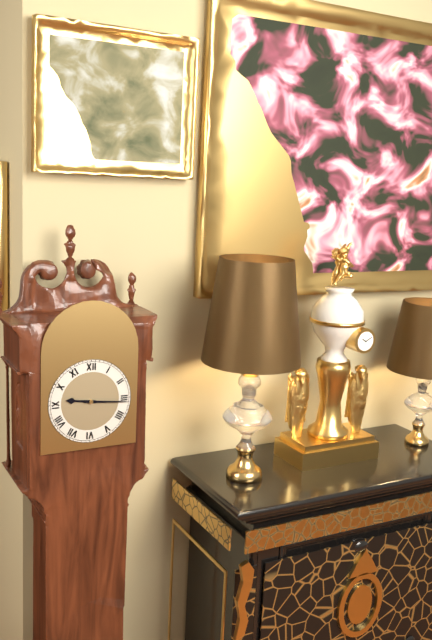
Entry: h=9 m=16
